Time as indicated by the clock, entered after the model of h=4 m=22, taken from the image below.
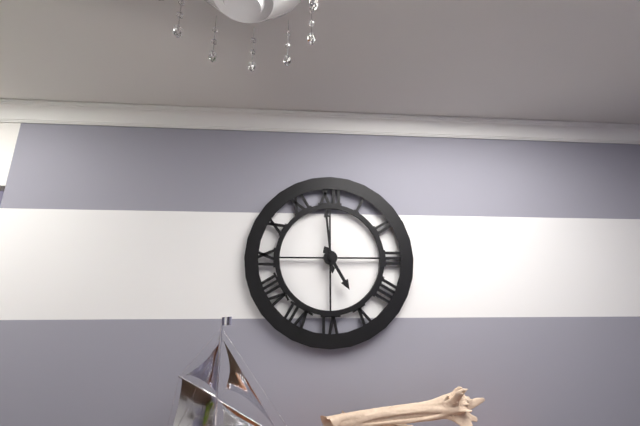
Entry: h=4 m=59
